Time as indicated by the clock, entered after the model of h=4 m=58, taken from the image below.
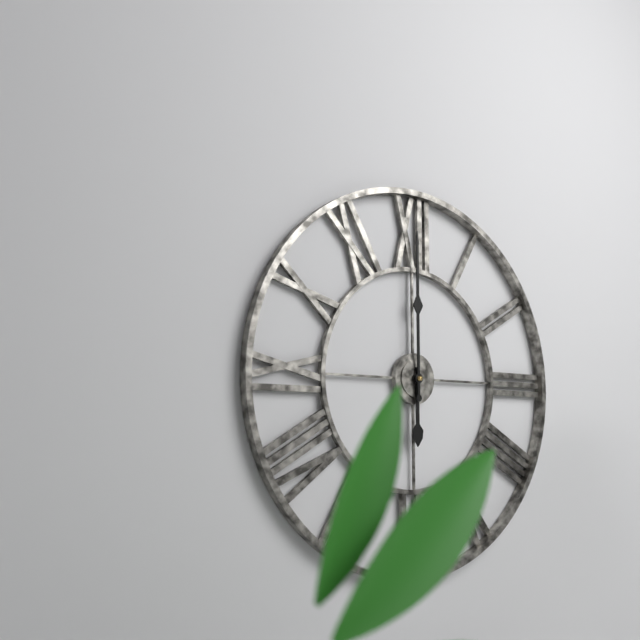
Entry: h=6 m=0
